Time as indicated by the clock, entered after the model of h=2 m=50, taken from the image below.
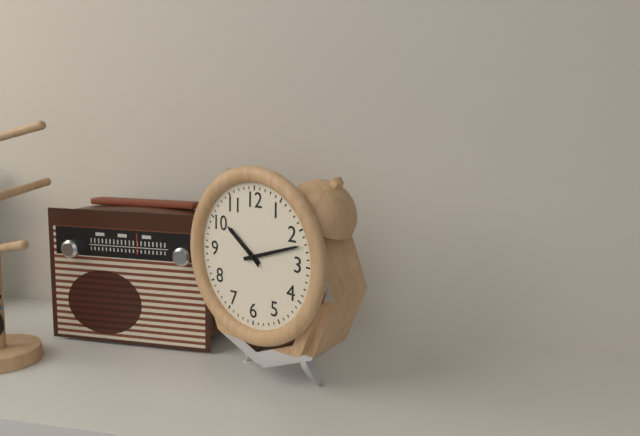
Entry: h=10 m=12
